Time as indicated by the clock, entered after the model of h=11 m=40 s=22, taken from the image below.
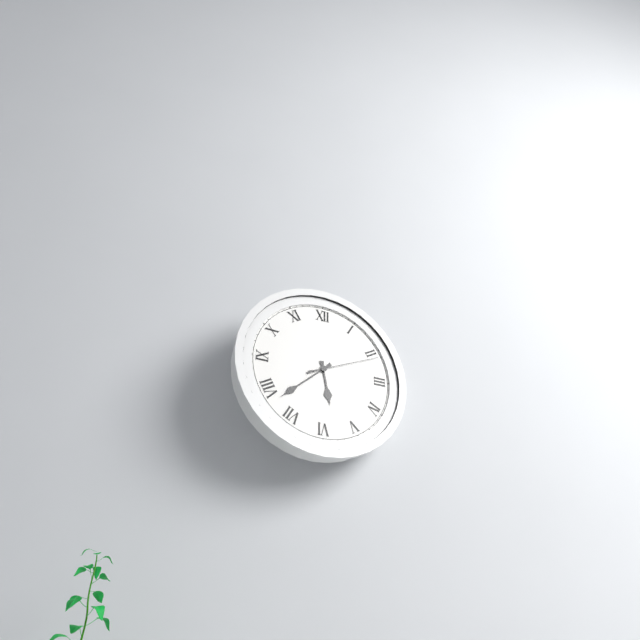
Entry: h=5 m=38 s=11
